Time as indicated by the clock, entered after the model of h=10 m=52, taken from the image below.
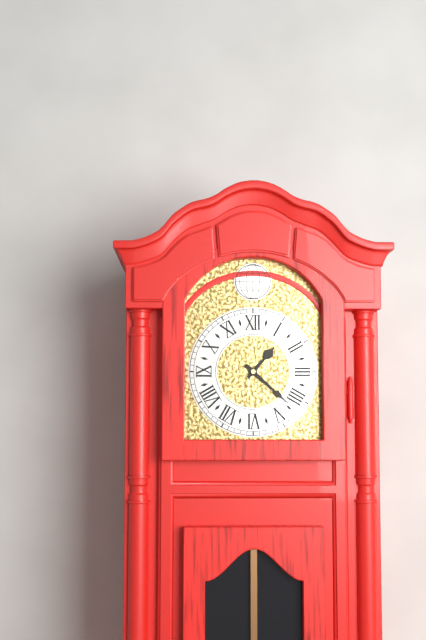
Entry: h=1 m=22
